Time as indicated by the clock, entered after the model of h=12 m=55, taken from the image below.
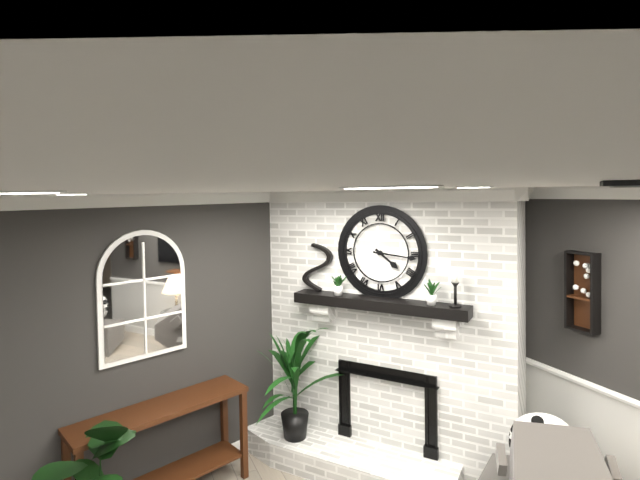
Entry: h=4 m=16
